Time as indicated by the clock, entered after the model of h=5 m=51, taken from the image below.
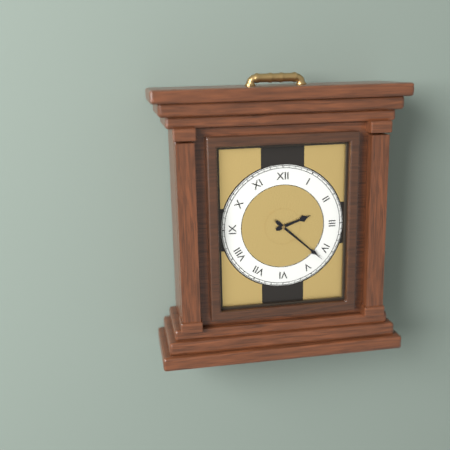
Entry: h=2 m=22
